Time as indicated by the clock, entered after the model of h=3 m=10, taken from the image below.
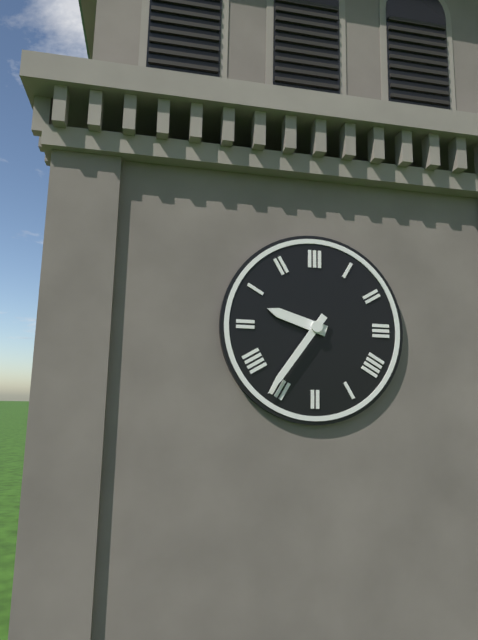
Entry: h=9 m=36
